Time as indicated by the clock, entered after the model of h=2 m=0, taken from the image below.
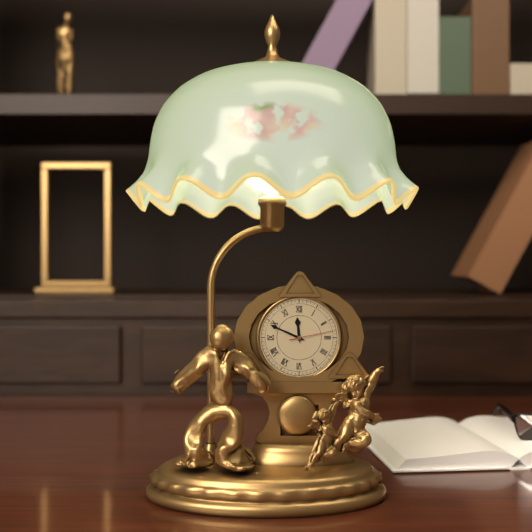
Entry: h=11 m=49
